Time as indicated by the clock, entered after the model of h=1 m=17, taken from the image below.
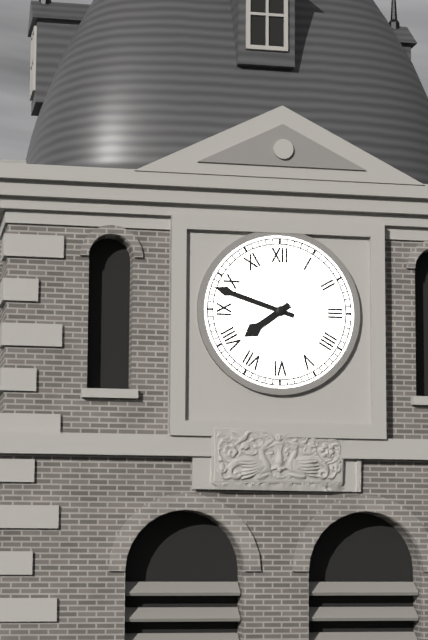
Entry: h=7 m=48
